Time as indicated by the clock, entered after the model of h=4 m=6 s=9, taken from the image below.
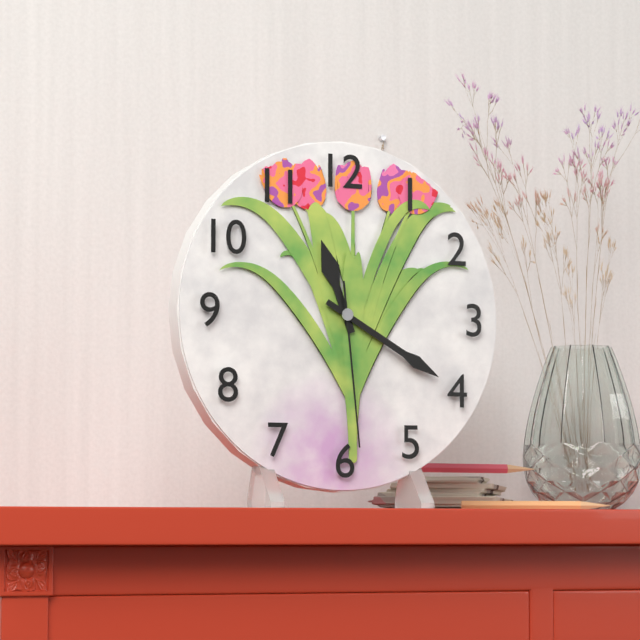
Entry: h=11 m=20 s=29
